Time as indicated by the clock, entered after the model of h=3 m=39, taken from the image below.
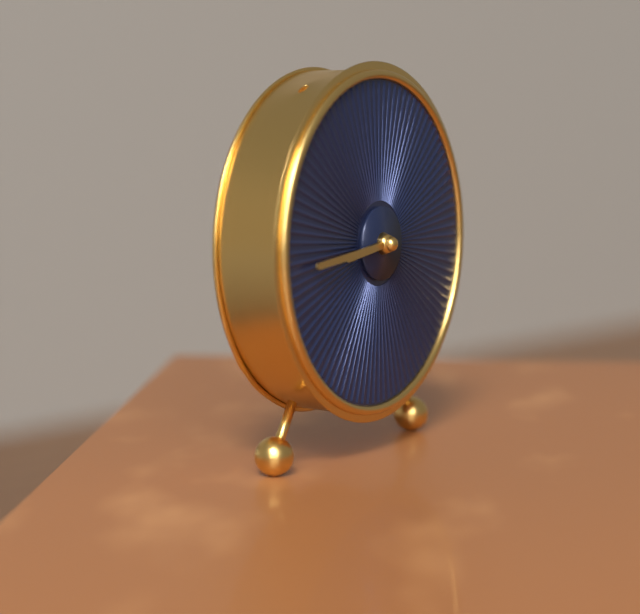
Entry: h=8 m=44
